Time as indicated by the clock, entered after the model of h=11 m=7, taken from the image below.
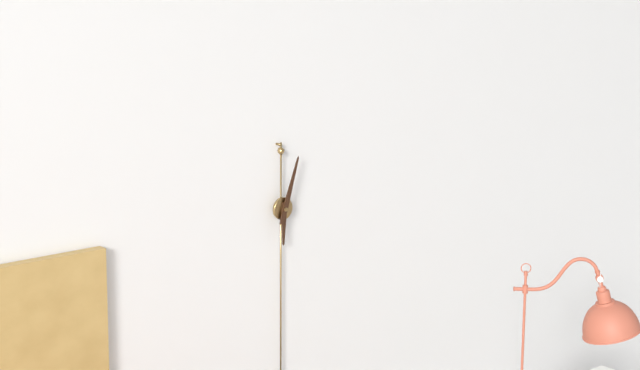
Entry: h=6 m=3
